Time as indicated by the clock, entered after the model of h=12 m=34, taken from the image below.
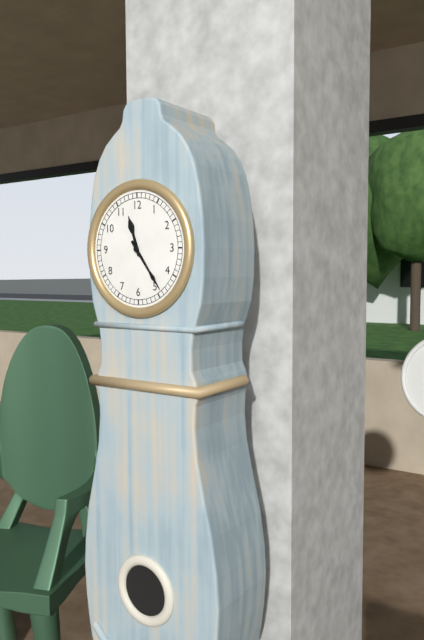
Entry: h=11 m=24
